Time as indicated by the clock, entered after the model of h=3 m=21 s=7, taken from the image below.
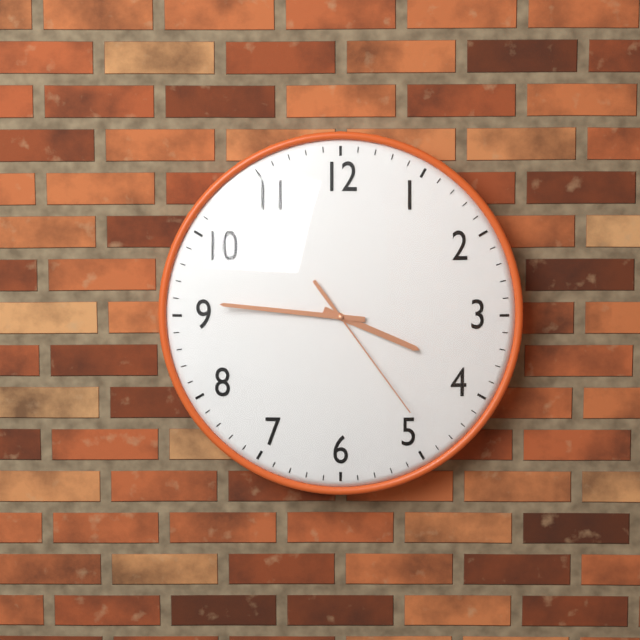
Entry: h=3 m=46 s=24
